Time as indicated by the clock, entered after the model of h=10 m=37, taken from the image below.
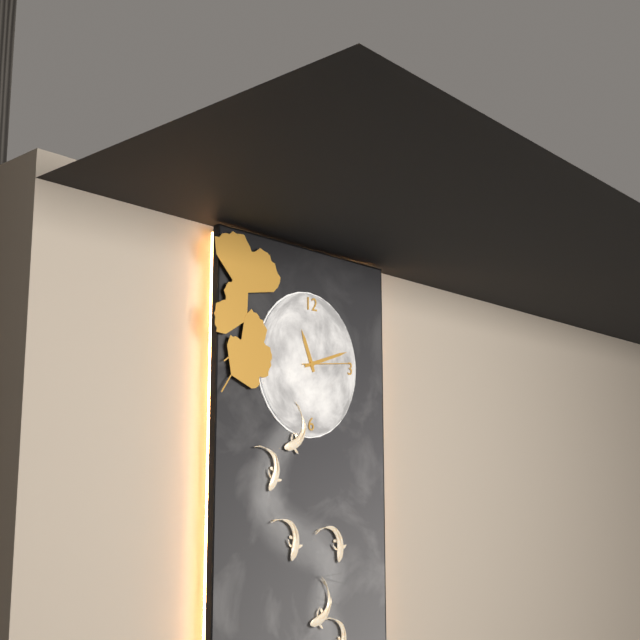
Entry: h=11 m=12
